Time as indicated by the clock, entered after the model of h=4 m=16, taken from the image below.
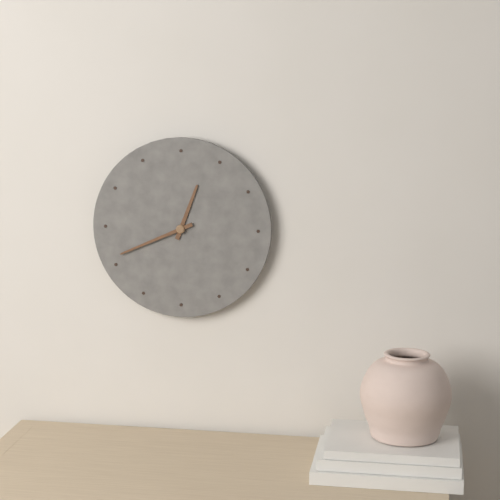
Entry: h=12 m=41
